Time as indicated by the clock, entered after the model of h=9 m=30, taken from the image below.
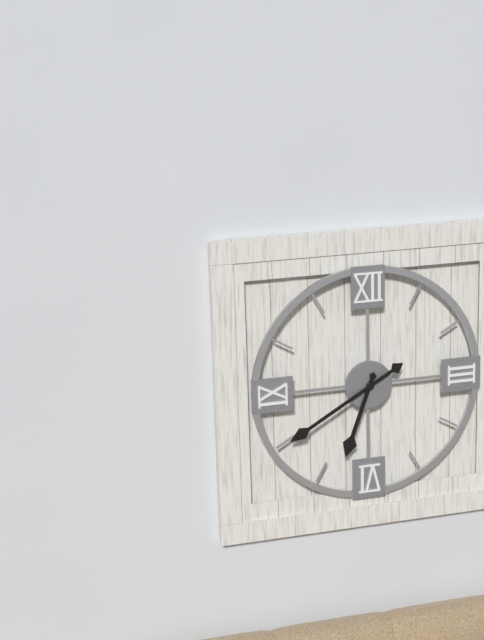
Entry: h=6 m=40
